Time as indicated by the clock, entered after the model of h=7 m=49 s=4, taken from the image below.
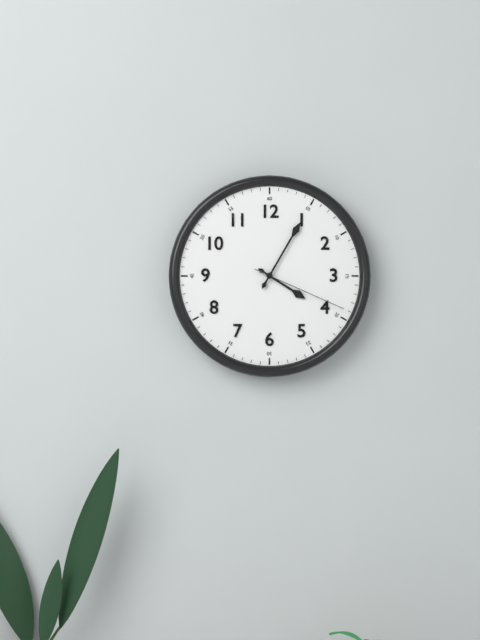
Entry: h=4 m=5 s=19
